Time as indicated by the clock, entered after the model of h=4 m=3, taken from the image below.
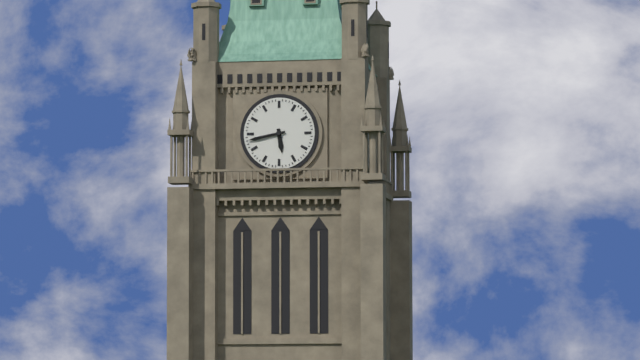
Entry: h=5 m=43
